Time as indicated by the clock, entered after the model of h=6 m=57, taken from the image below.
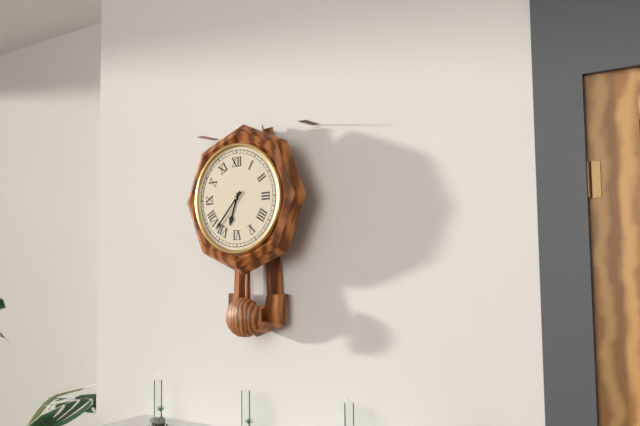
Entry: h=6 m=37
